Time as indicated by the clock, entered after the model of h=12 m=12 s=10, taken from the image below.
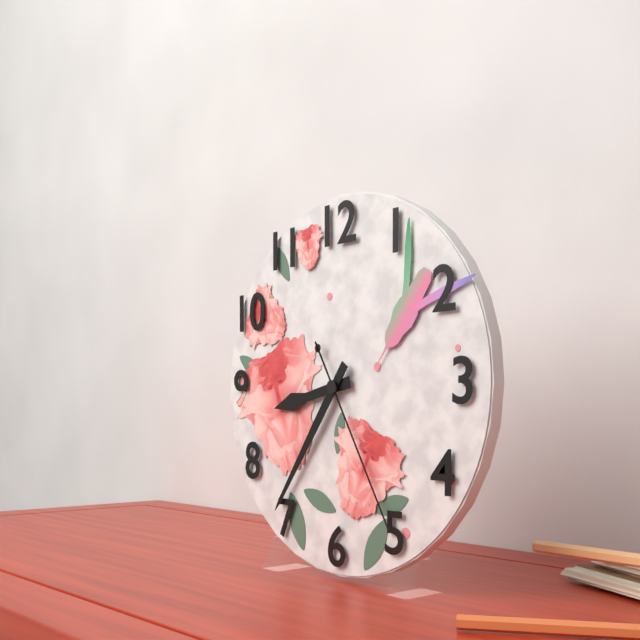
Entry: h=8 m=36 s=25
